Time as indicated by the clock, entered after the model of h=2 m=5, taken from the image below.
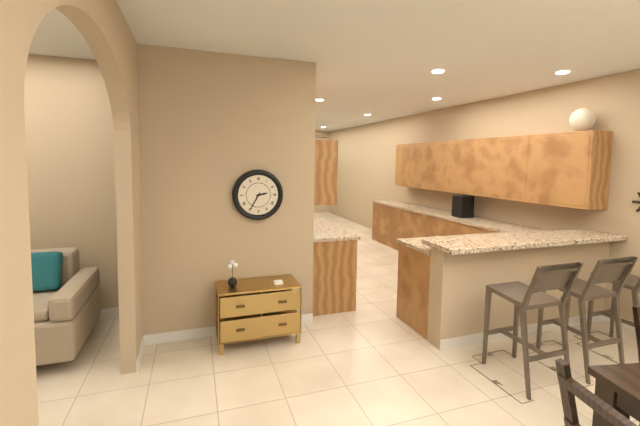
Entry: h=2 m=35
